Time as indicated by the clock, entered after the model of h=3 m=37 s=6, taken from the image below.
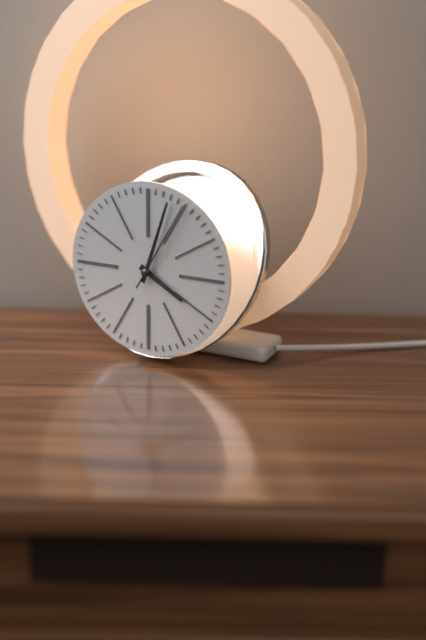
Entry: h=4 m=3 s=5
